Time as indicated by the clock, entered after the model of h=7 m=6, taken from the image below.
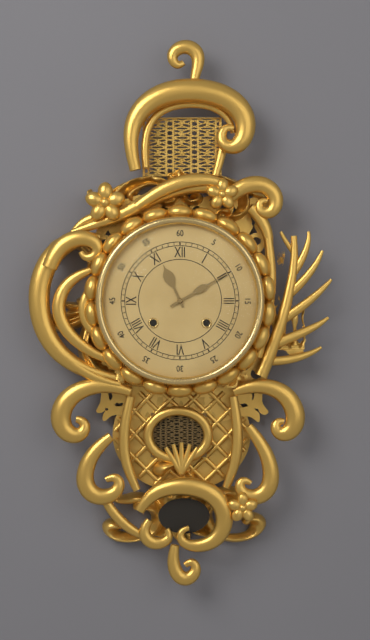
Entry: h=11 m=10
